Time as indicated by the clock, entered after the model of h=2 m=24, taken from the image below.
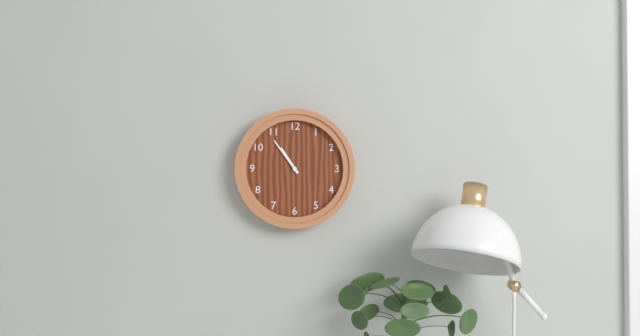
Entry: h=10 m=54
